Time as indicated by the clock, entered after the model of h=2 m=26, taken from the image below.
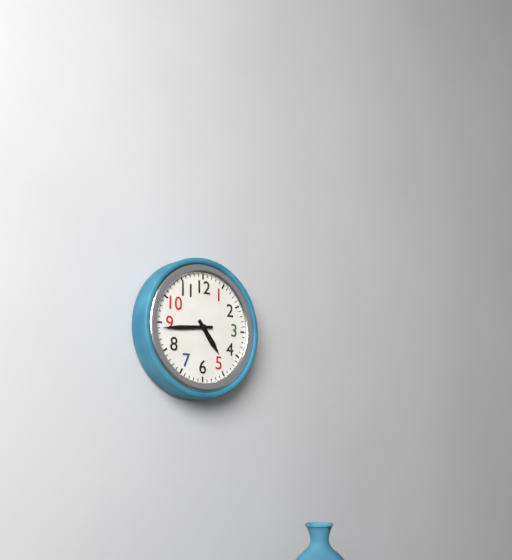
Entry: h=4 m=44
